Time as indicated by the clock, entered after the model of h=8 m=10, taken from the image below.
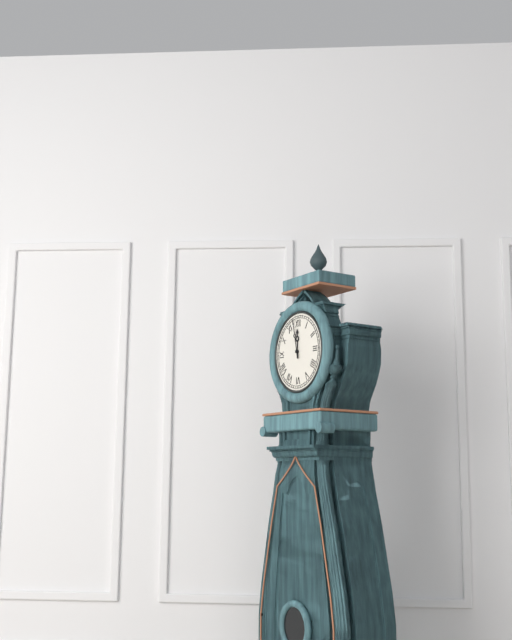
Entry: h=11 m=58
